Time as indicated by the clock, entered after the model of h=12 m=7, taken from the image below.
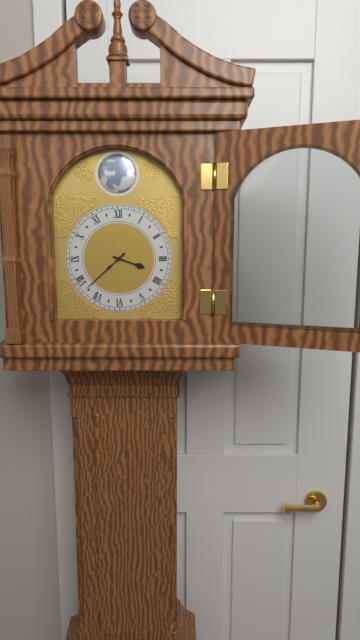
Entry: h=3 m=38
